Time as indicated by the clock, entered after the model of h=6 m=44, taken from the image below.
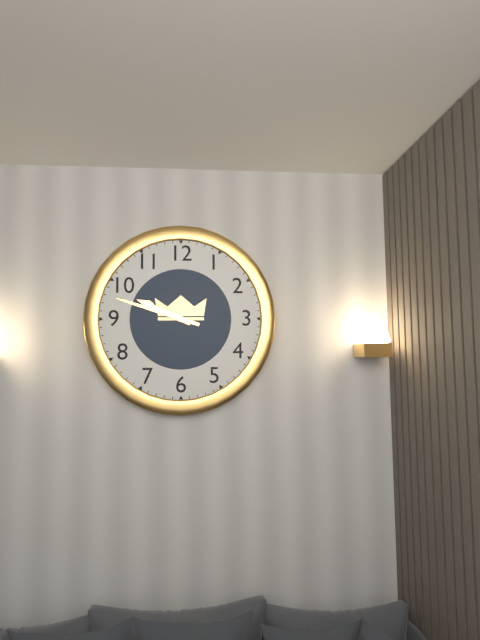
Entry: h=9 m=48
